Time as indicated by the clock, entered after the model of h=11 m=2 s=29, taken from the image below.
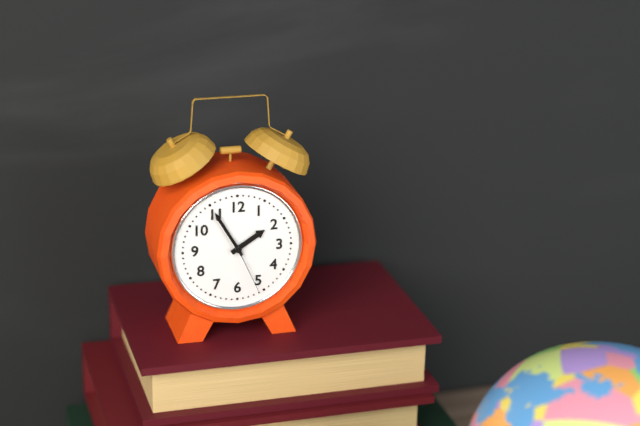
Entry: h=1 m=55 s=26
